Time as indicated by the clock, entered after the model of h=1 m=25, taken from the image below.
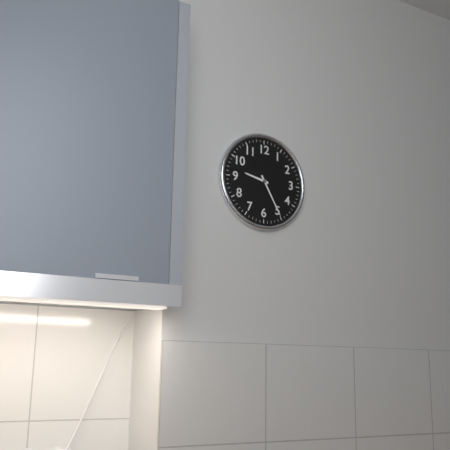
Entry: h=9 m=25
